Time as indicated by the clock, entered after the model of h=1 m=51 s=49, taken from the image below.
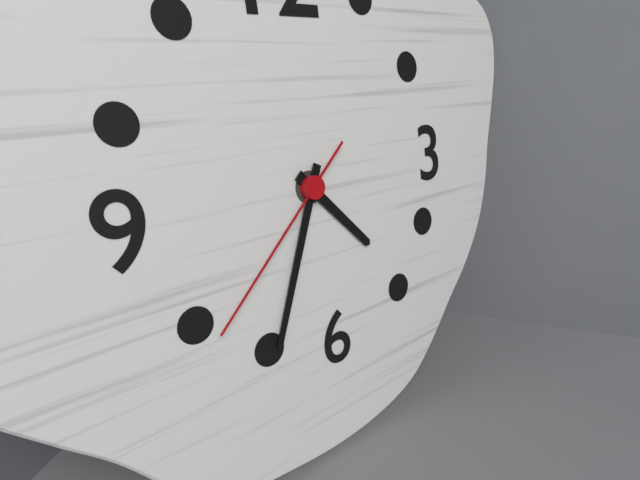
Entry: h=4 m=34 s=38
